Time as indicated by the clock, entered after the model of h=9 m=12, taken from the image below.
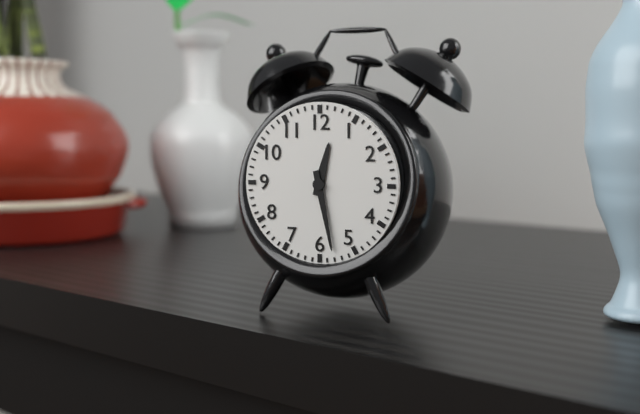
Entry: h=12 m=28
